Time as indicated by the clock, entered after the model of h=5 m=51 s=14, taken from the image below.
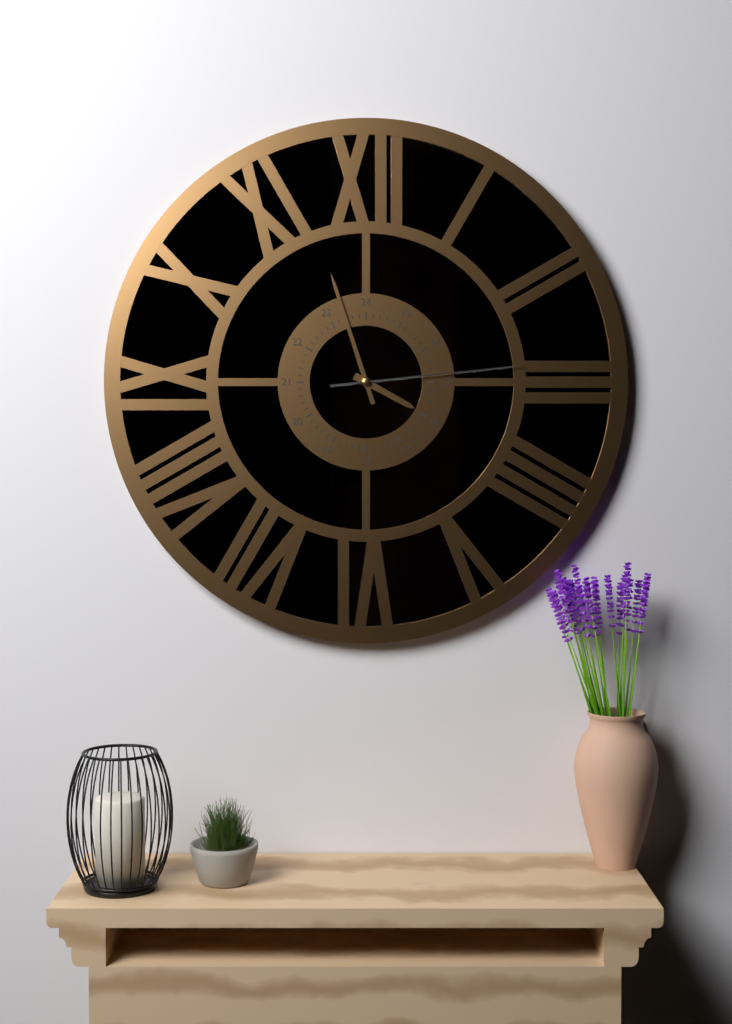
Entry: h=3 m=57 s=14
